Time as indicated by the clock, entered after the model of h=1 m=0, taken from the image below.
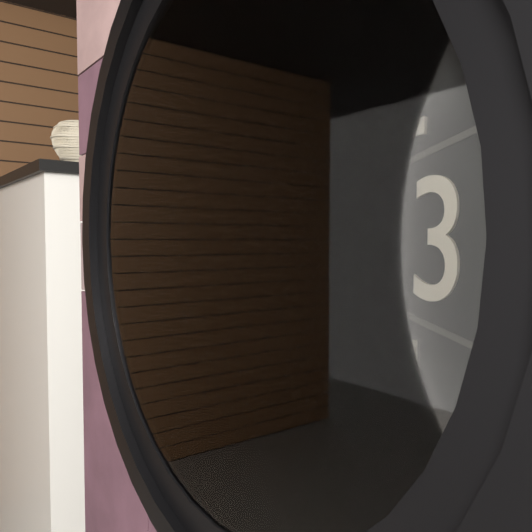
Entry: h=4 m=18
